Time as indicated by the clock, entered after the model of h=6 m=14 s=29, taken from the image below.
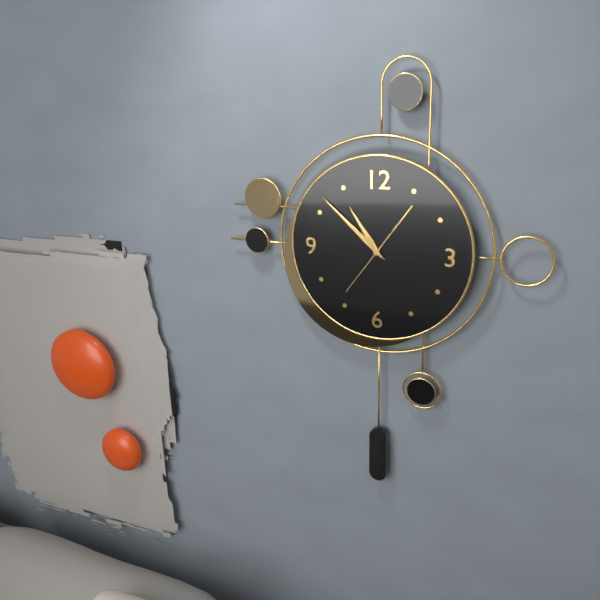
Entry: h=10 m=52 s=6
